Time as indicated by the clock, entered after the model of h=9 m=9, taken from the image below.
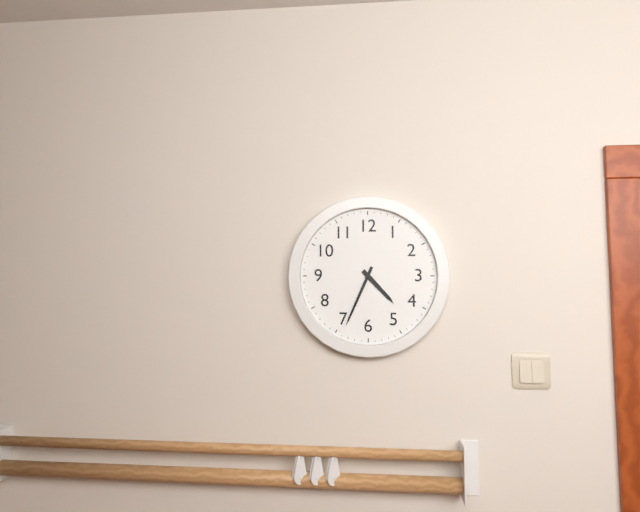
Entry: h=4 m=34
